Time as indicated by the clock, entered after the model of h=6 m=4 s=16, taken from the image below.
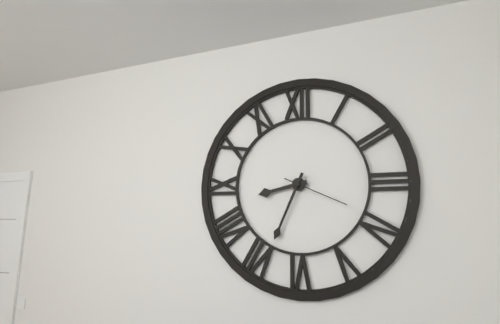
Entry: h=8 m=34 s=19
